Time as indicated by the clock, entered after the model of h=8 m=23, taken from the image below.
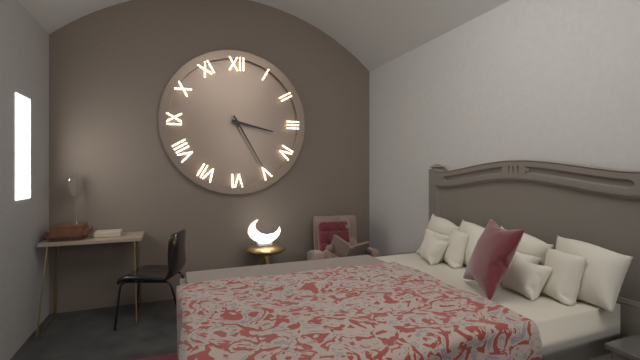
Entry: h=3 m=25
